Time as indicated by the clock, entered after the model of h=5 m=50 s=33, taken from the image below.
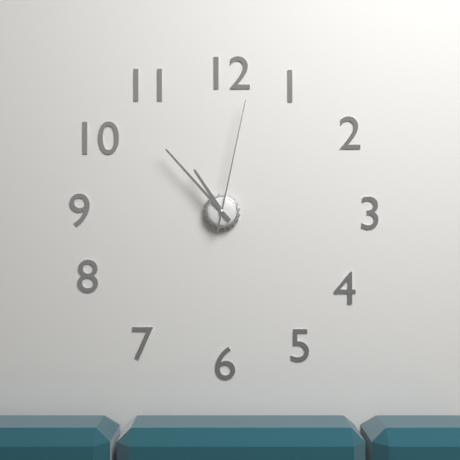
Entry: h=10 m=53 s=2
